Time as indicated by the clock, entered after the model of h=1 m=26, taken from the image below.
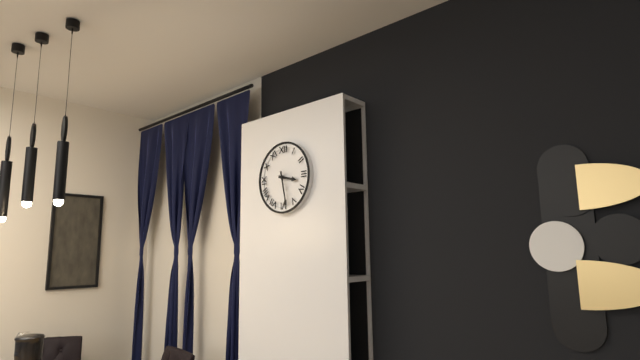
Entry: h=3 m=28
